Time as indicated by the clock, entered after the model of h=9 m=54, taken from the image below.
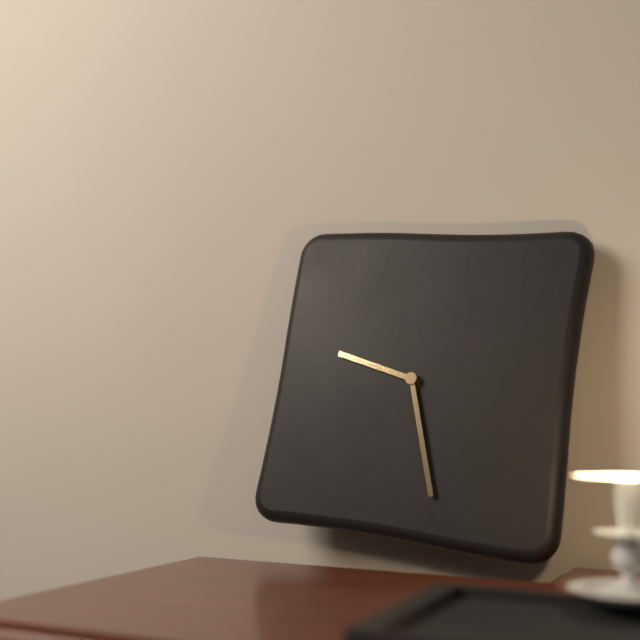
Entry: h=9 m=27
